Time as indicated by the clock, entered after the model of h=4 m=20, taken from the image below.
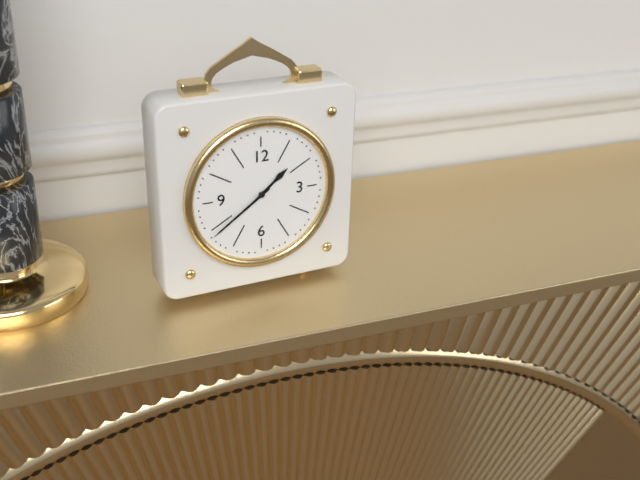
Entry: h=1 m=39
